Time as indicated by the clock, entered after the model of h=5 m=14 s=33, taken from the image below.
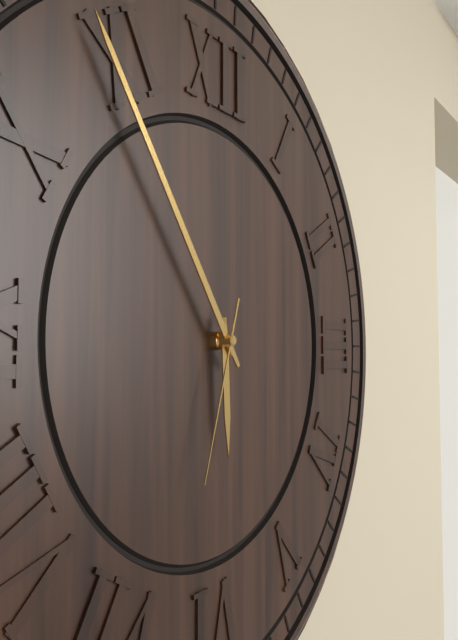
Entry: h=5 m=54 s=33
